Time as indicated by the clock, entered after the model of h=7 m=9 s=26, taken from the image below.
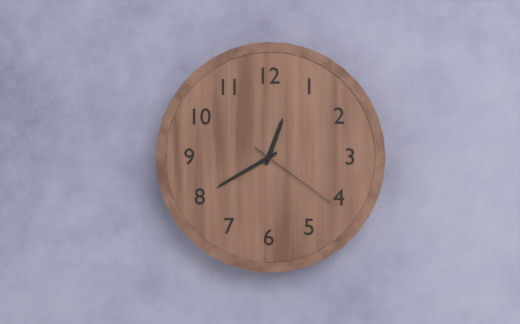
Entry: h=12 m=40 s=21
